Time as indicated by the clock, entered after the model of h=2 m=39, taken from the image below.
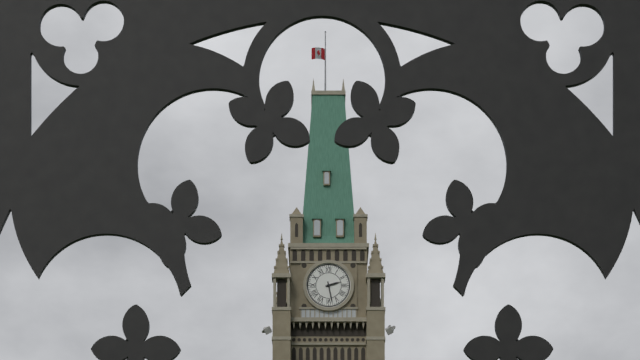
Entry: h=2 m=28
